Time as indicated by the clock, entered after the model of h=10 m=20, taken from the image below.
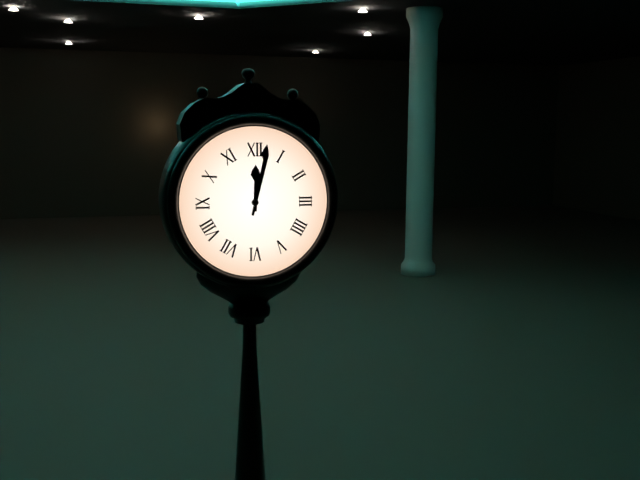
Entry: h=12 m=2
